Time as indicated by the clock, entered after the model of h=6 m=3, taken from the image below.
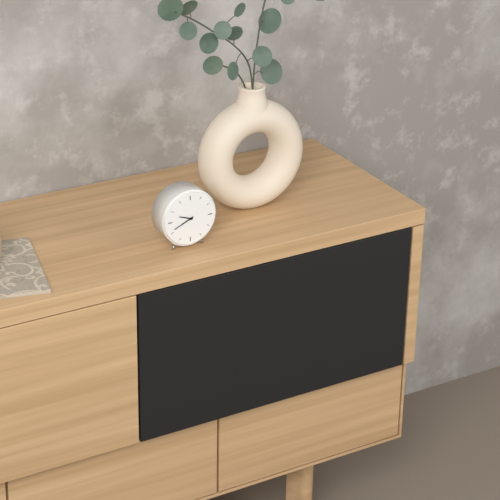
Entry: h=9 m=41
